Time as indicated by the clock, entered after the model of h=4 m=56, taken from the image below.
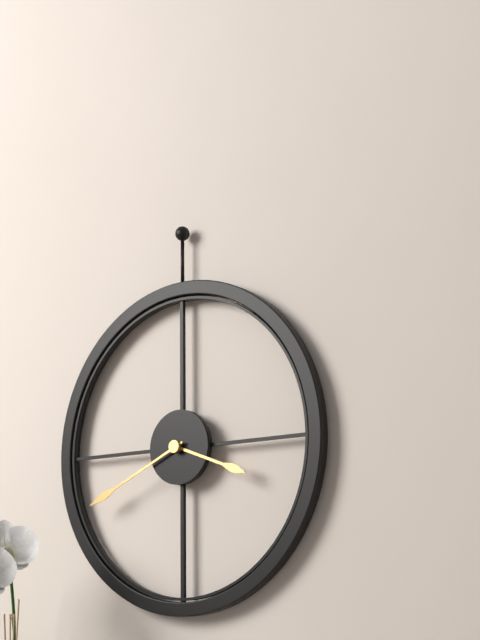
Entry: h=3 m=41
